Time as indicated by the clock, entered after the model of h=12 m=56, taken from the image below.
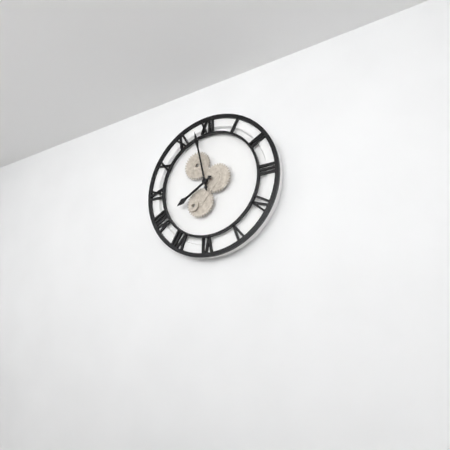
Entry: h=7 m=58
